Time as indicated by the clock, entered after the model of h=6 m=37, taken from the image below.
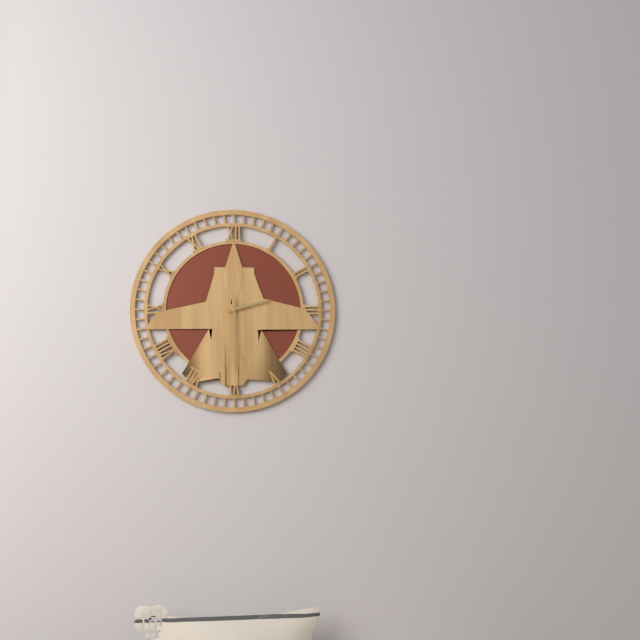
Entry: h=2 m=30
